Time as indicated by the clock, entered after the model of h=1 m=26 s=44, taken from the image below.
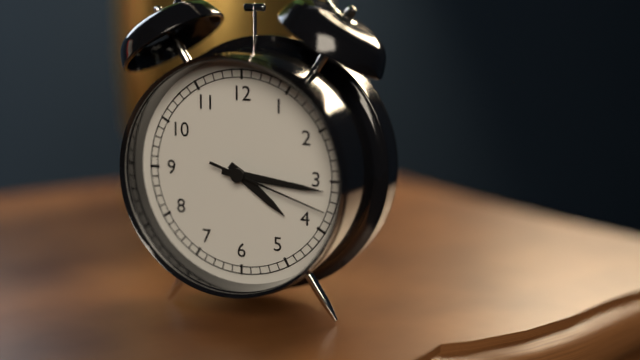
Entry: h=4 m=16 s=18
